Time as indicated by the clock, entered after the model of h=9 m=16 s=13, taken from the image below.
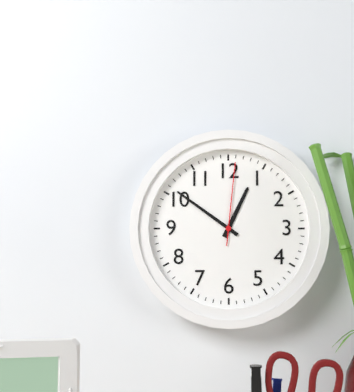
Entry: h=12 m=51 s=1
